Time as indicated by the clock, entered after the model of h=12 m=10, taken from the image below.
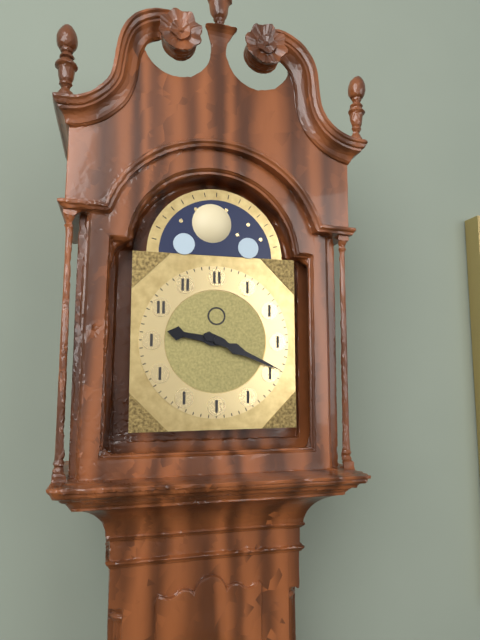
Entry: h=9 m=19
